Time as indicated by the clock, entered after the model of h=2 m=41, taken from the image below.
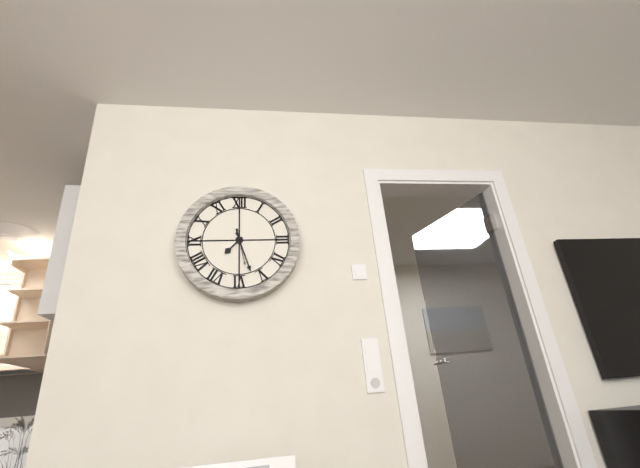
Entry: h=7 m=27
